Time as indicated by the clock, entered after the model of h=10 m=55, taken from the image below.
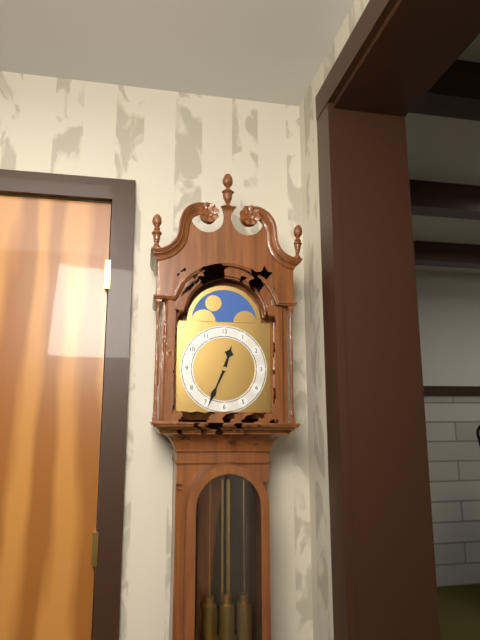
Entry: h=12 m=34
